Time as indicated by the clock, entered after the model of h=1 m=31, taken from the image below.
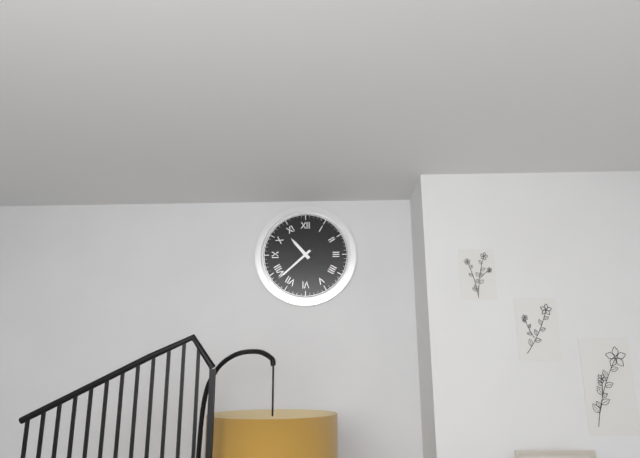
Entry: h=10 m=38
